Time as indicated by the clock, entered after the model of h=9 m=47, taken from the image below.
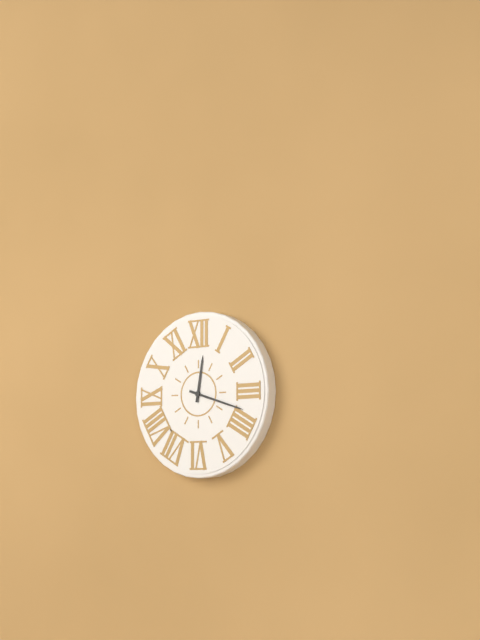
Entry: h=12 m=18
